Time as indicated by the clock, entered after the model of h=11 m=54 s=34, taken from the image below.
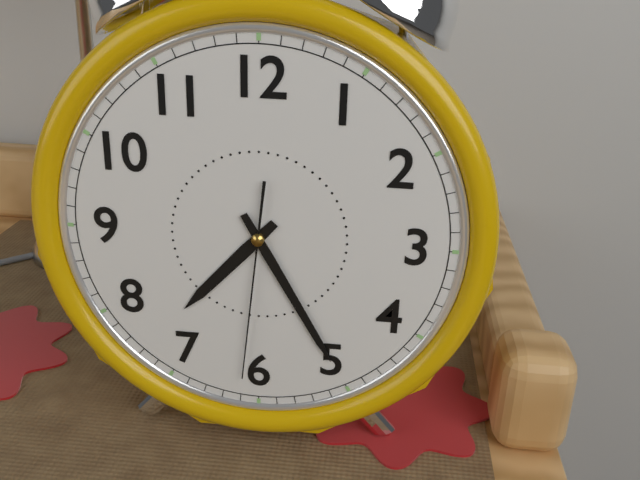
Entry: h=7 m=25 s=31
